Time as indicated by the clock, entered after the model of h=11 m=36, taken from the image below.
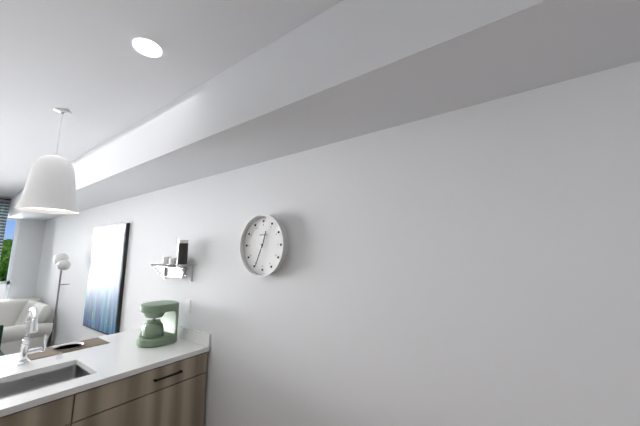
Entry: h=12 m=34
